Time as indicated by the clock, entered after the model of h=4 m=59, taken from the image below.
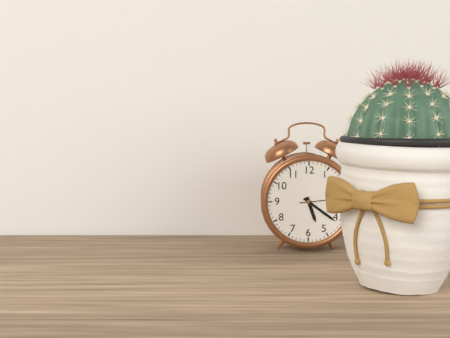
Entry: h=5 m=21
